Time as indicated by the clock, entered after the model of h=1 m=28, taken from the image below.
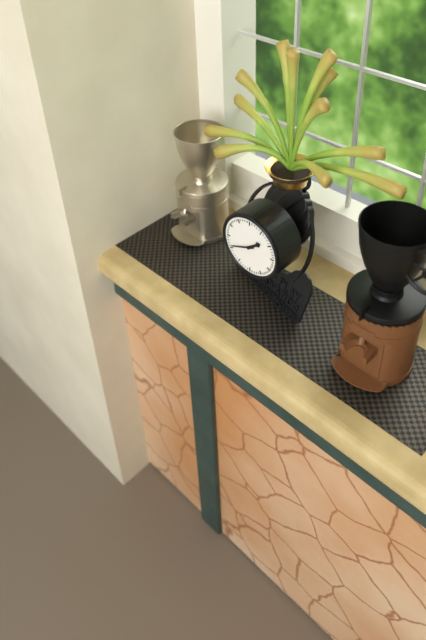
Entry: h=1 m=41
